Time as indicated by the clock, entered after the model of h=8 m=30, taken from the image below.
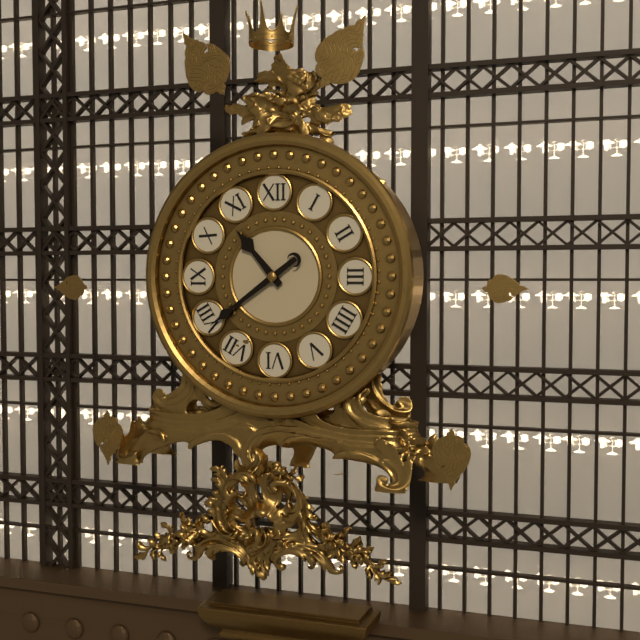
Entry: h=10 m=39
